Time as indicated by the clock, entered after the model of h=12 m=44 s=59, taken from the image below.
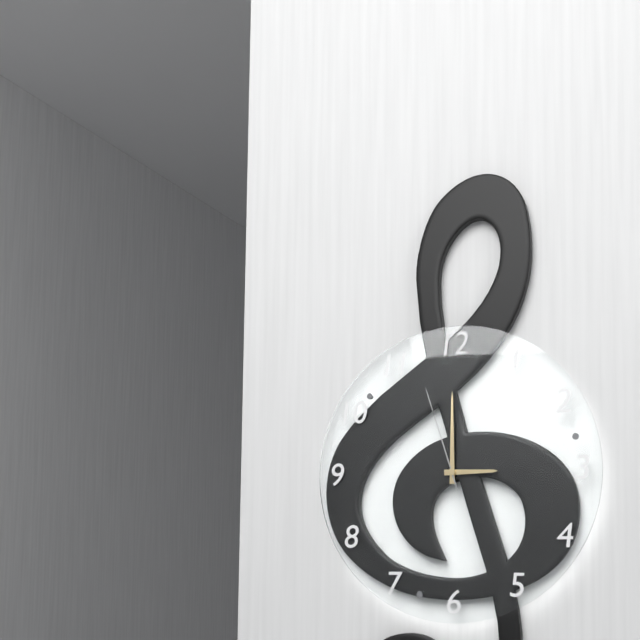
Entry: h=3 m=0 s=57
